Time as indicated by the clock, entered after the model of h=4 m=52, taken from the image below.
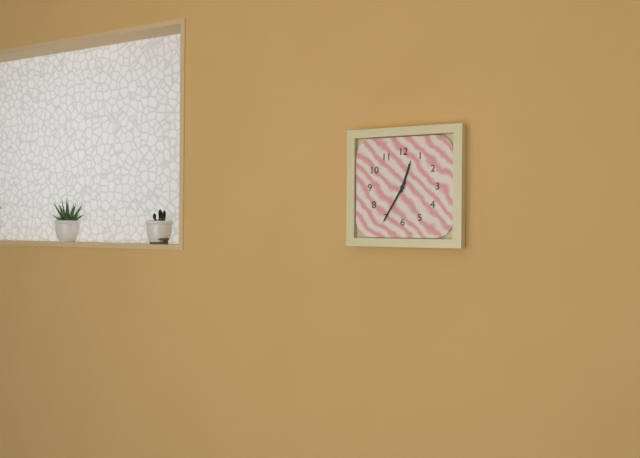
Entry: h=12 m=35
